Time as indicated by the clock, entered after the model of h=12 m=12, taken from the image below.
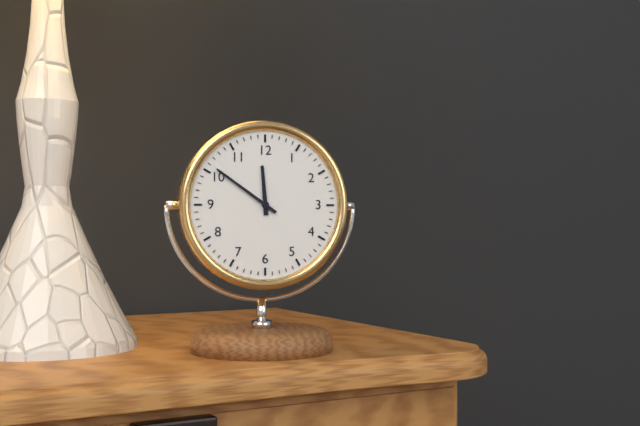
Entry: h=11 m=51
